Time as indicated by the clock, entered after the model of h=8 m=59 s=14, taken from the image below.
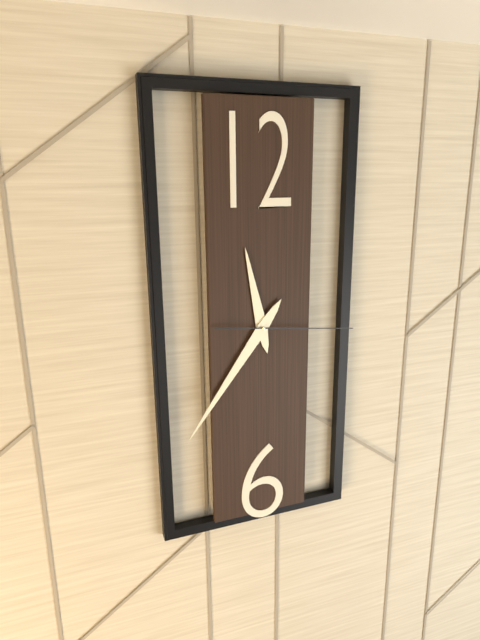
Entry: h=11 m=36 s=16
